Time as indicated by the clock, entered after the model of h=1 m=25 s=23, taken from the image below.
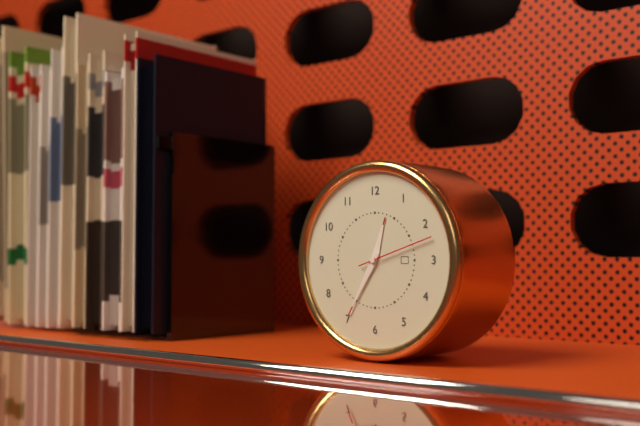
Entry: h=12 m=35 s=12
